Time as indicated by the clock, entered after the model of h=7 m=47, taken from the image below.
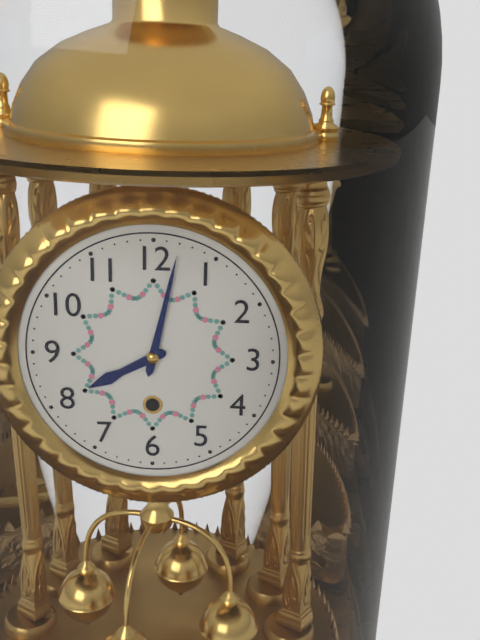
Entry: h=8 m=2
